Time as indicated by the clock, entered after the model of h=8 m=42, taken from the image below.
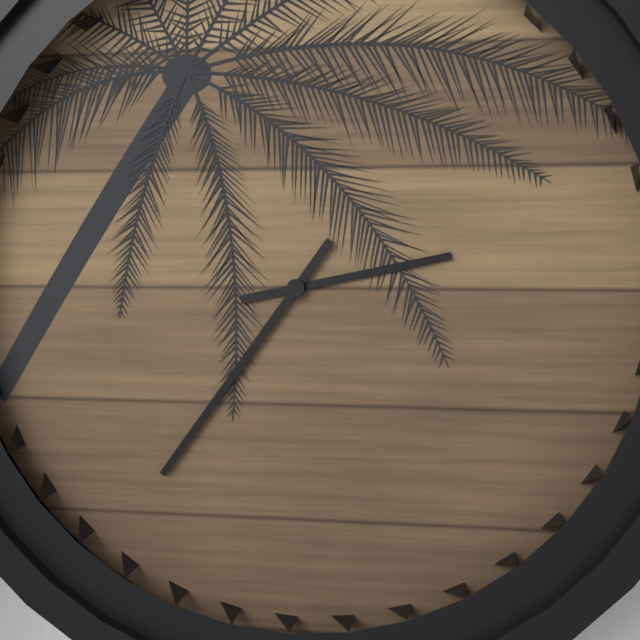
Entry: h=2 m=36
